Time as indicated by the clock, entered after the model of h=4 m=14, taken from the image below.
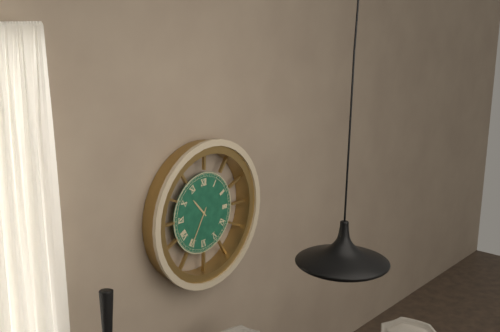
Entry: h=10 m=35
